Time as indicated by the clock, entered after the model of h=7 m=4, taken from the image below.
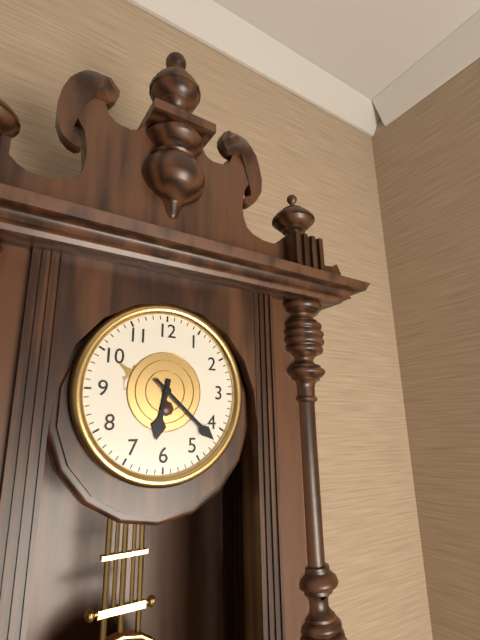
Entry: h=6 m=22
